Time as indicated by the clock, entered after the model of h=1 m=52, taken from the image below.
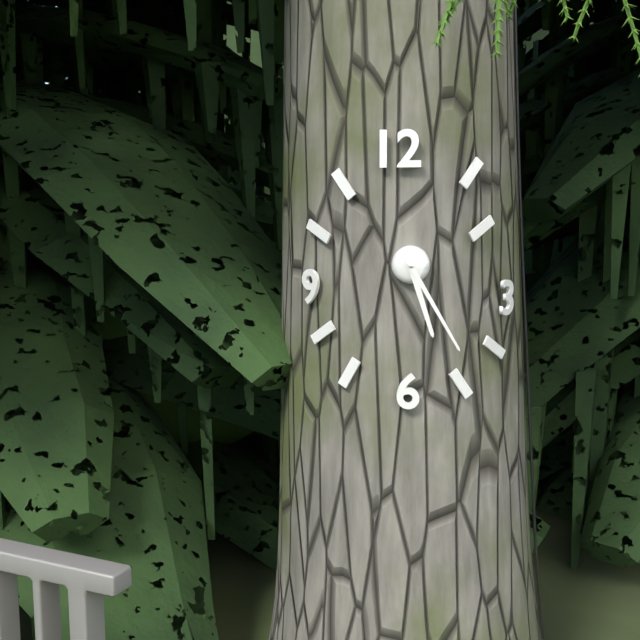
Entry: h=5 m=25
